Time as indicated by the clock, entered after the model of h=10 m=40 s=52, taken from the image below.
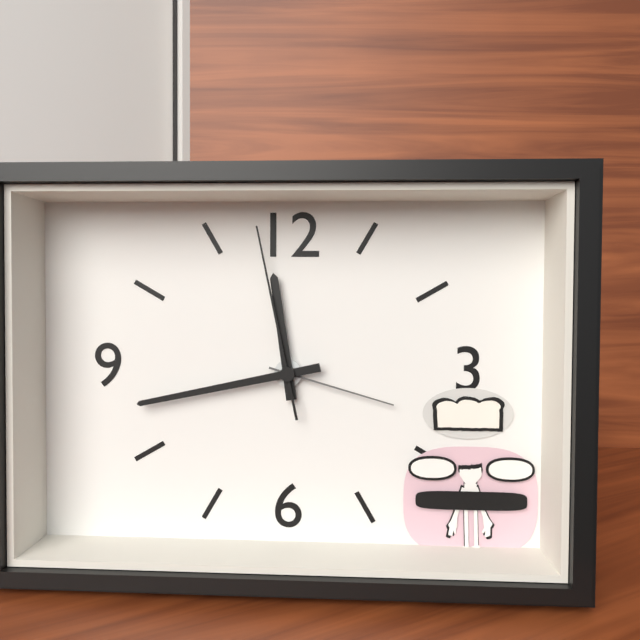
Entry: h=11 m=43 s=58
